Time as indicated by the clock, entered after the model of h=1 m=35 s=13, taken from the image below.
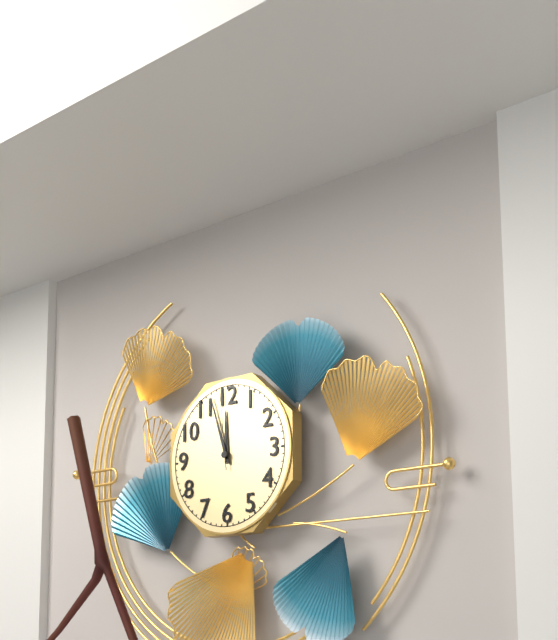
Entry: h=11 m=57 s=59
